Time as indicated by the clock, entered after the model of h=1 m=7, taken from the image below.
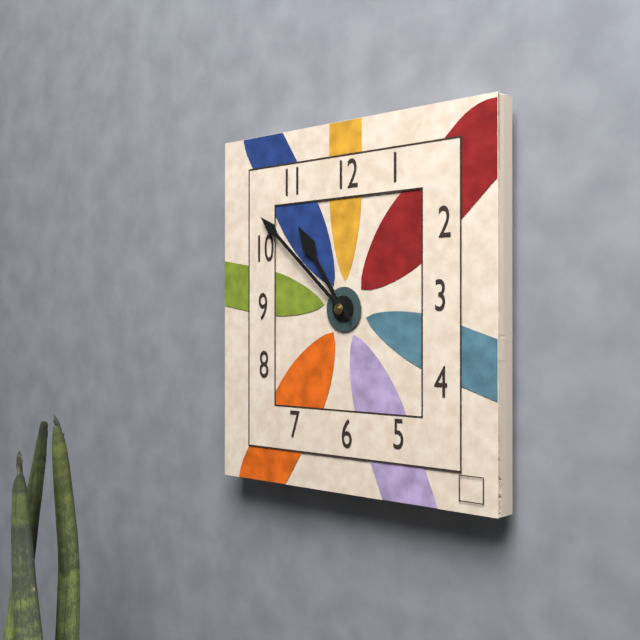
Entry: h=10 m=52
